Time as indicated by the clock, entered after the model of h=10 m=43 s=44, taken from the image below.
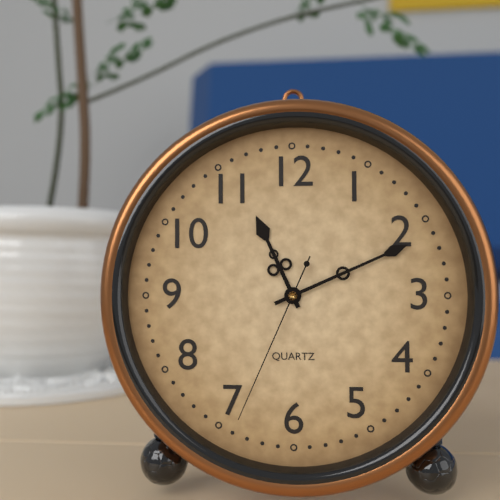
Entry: h=11 m=11 s=34
